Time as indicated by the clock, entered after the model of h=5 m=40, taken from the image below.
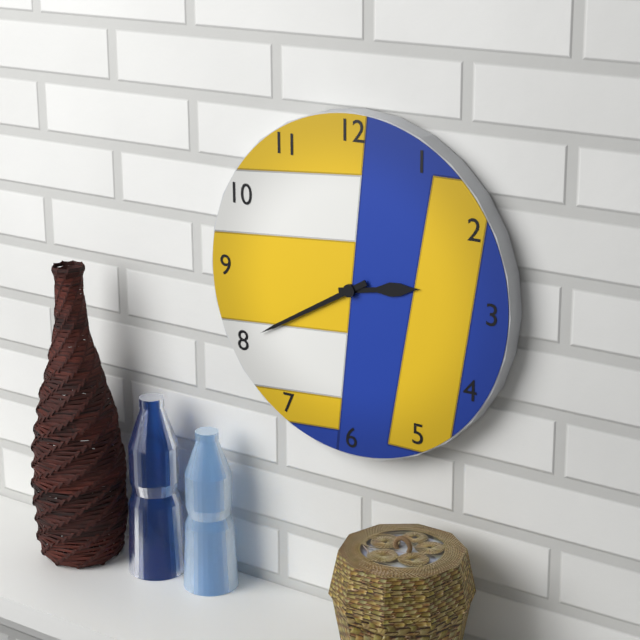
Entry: h=2 m=40
